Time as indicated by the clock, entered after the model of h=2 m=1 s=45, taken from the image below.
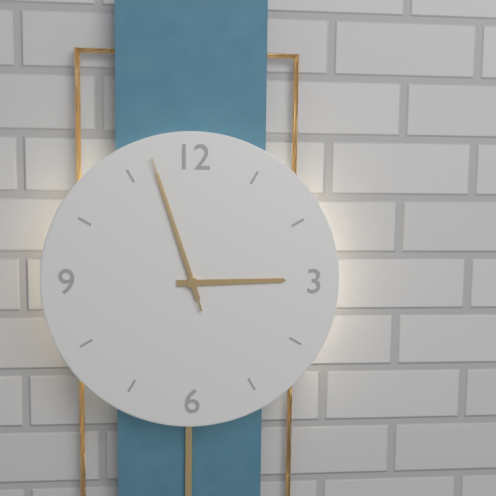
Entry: h=2 m=57 s=57
